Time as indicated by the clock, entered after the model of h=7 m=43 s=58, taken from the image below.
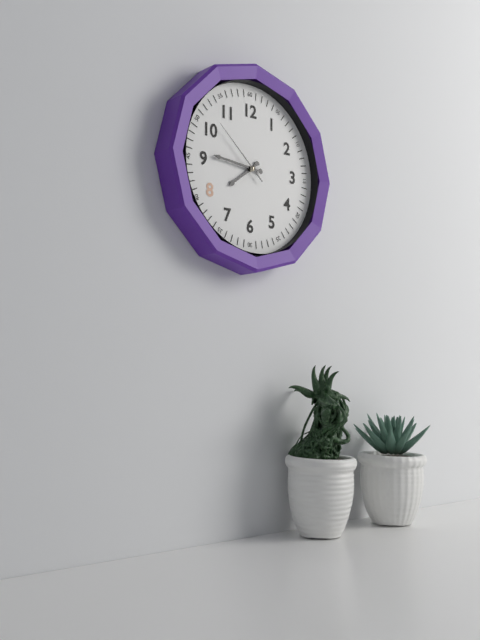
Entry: h=7 m=46 s=52
